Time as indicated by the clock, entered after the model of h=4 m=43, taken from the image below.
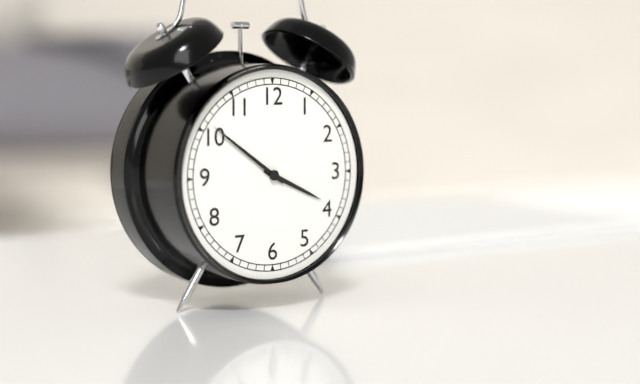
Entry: h=3 m=51
